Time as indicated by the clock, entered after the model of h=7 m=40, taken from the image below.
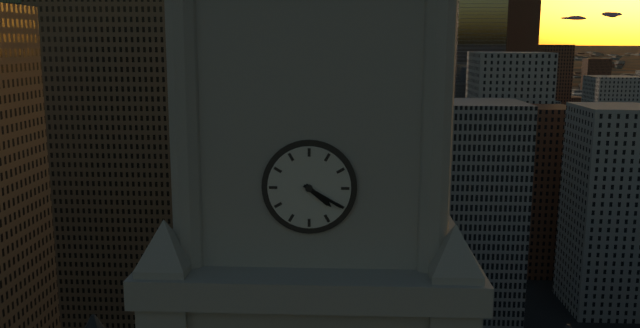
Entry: h=4 m=20
